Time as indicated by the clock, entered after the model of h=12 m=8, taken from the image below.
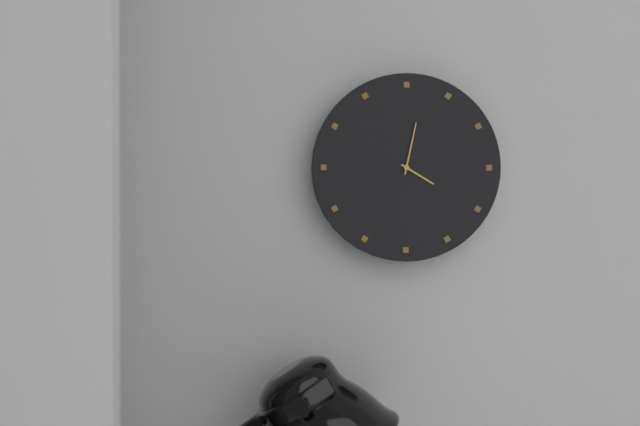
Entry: h=4 m=2
